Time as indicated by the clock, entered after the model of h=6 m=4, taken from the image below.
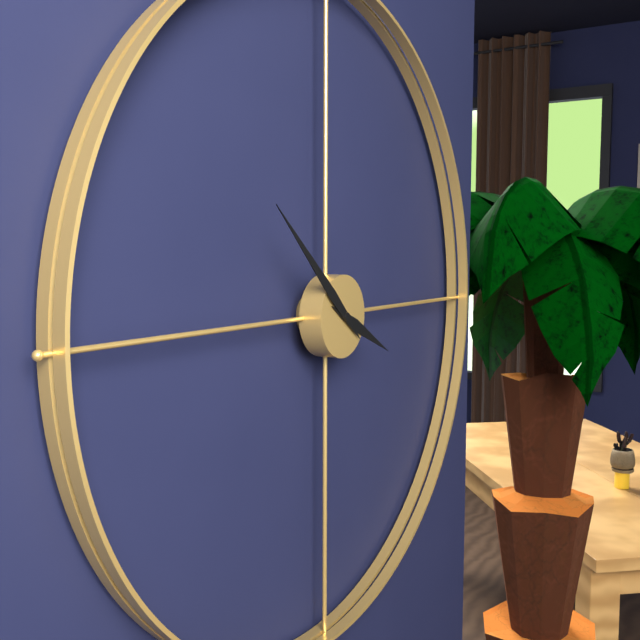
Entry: h=3 m=52
